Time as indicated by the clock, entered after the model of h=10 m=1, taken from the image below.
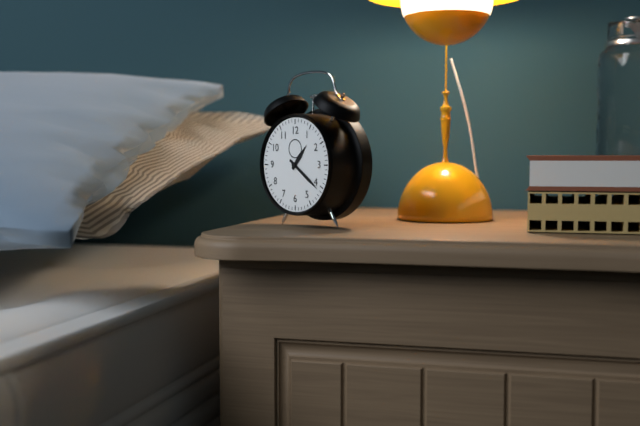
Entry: h=1 m=21
